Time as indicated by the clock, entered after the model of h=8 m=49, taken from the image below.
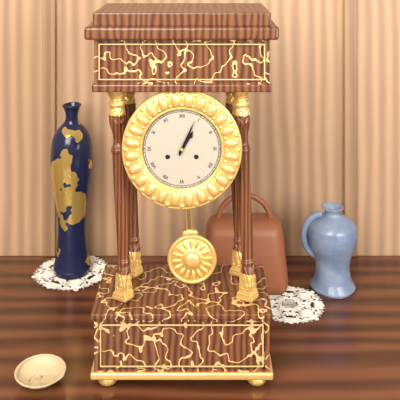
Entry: h=1 m=4
